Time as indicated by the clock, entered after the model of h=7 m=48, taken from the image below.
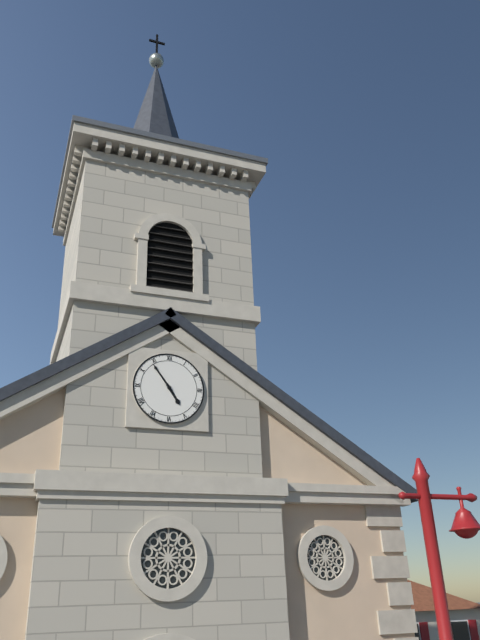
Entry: h=4 m=54
